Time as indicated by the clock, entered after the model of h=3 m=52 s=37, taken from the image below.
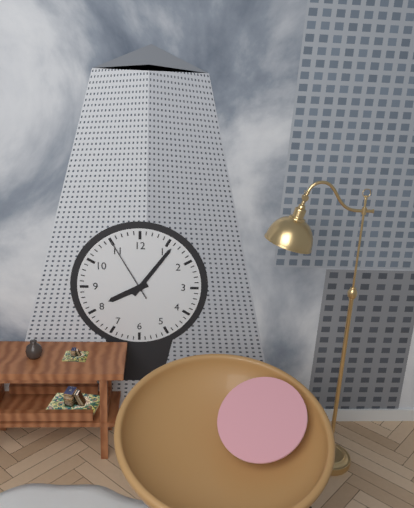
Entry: h=8 m=6 s=55
